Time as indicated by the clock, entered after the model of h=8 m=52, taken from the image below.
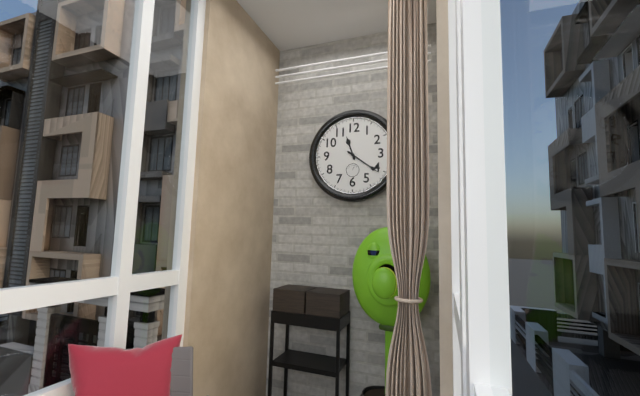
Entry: h=11 m=21
